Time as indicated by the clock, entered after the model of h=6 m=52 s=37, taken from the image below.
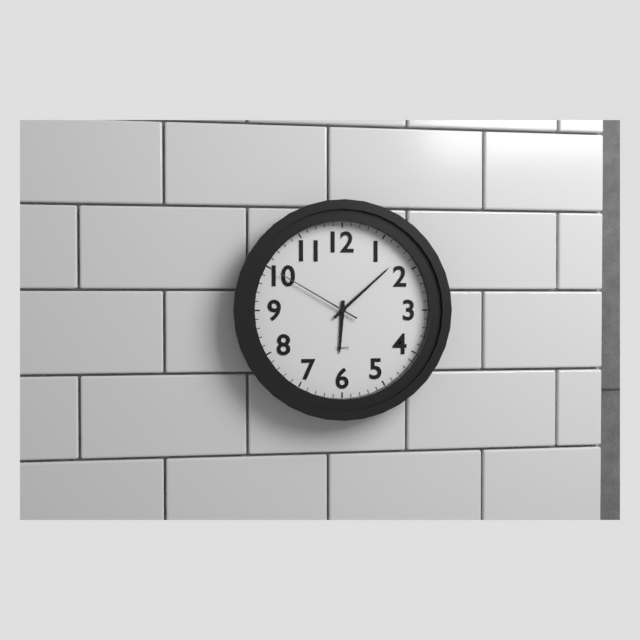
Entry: h=6 m=8 s=50
